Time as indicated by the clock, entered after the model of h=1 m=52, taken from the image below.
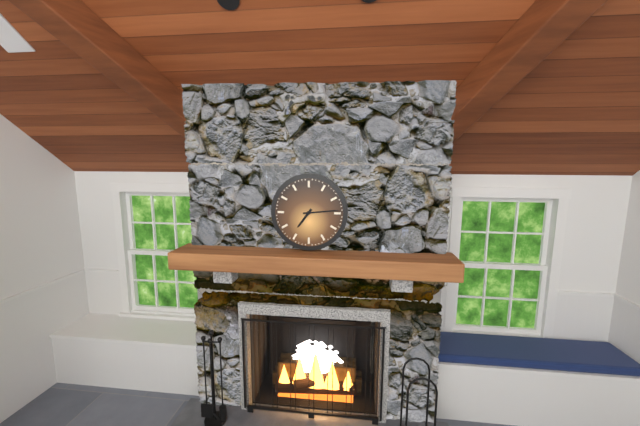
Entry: h=7 m=14
